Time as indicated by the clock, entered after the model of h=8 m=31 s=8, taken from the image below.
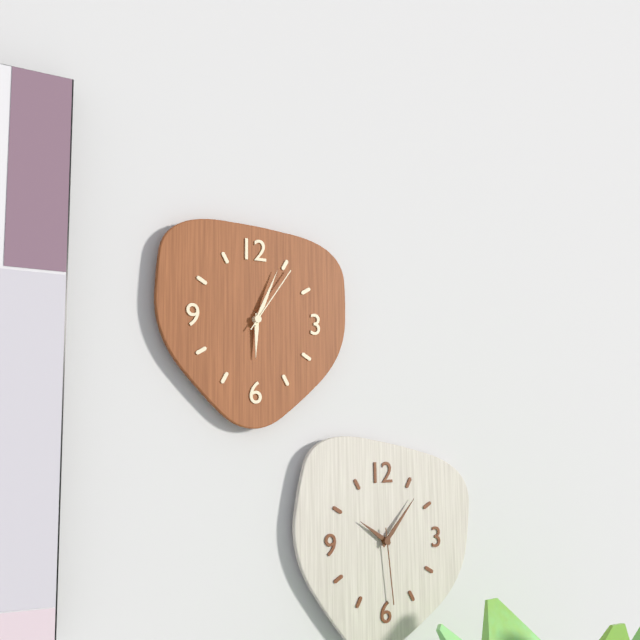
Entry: h=6 m=4 s=6
